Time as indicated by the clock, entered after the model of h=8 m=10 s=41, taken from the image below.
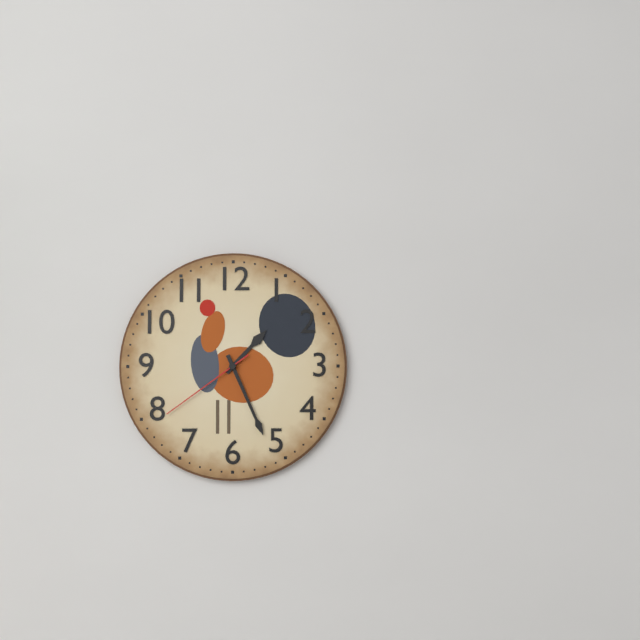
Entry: h=1 m=26 s=39
